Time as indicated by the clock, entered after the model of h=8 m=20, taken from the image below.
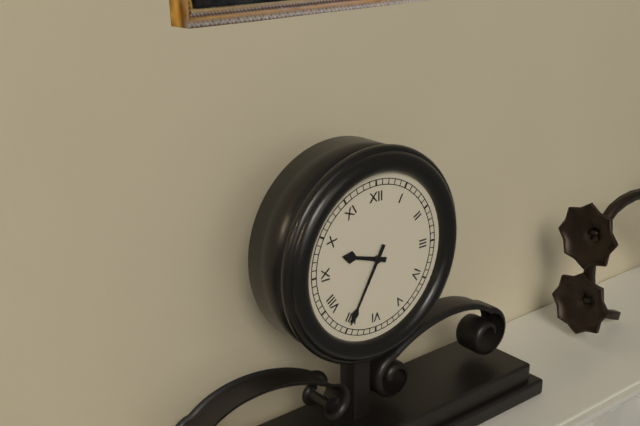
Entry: h=9 m=35
